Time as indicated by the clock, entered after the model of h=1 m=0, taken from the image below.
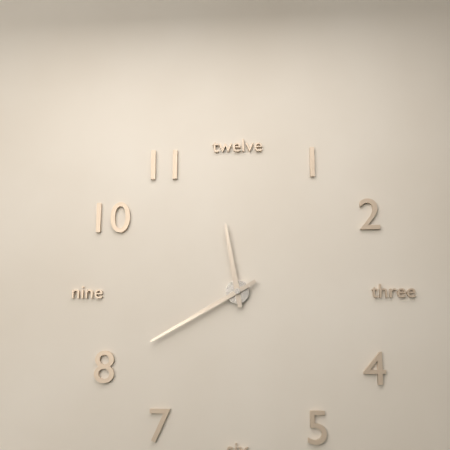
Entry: h=11 m=40
